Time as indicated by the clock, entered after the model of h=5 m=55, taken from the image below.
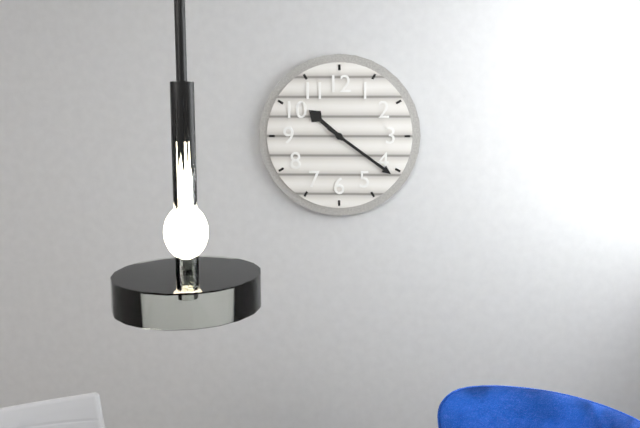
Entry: h=10 m=21
